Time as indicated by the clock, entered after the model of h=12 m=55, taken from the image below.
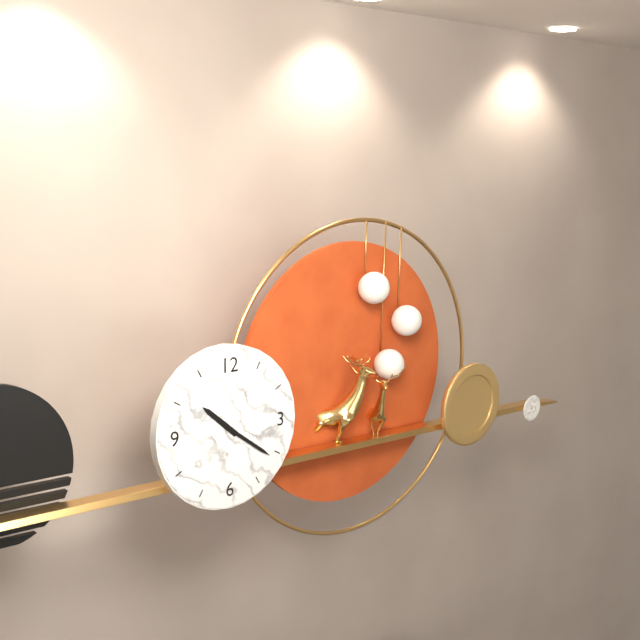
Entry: h=10 m=21
